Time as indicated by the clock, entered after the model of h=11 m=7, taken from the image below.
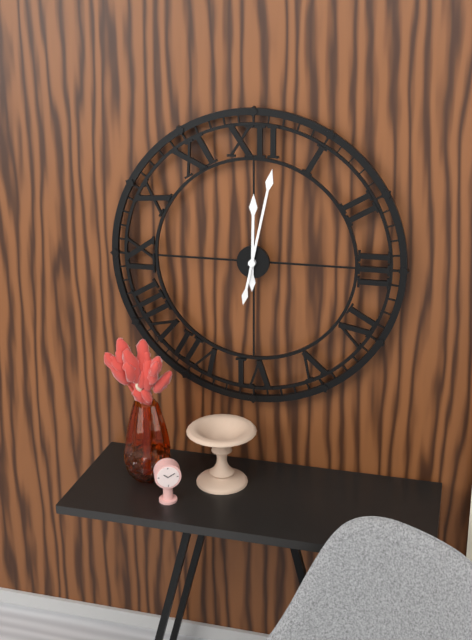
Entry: h=12 m=2
